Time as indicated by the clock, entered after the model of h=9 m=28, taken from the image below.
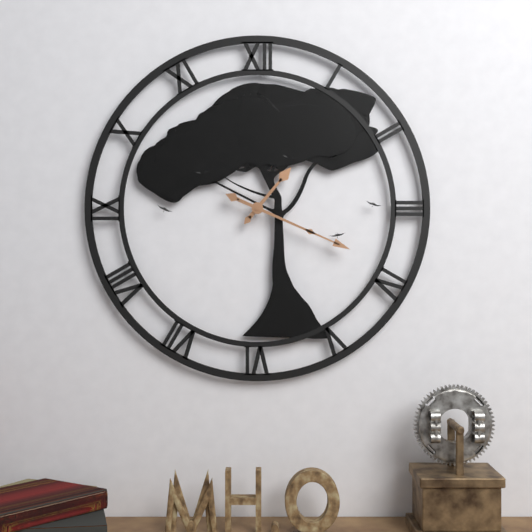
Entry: h=1 m=19
